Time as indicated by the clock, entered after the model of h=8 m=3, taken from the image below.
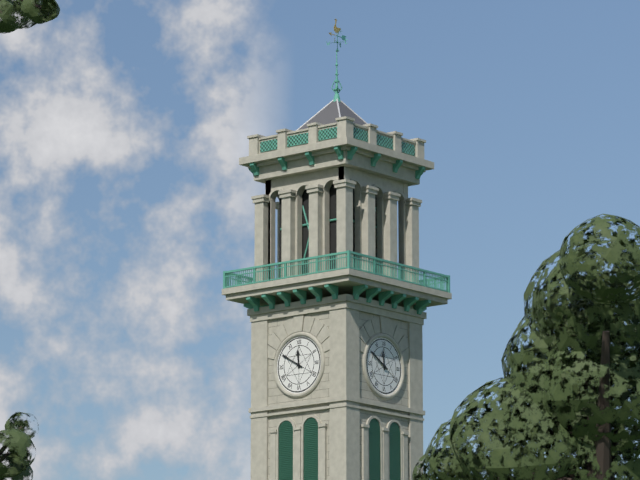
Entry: h=11 m=50
